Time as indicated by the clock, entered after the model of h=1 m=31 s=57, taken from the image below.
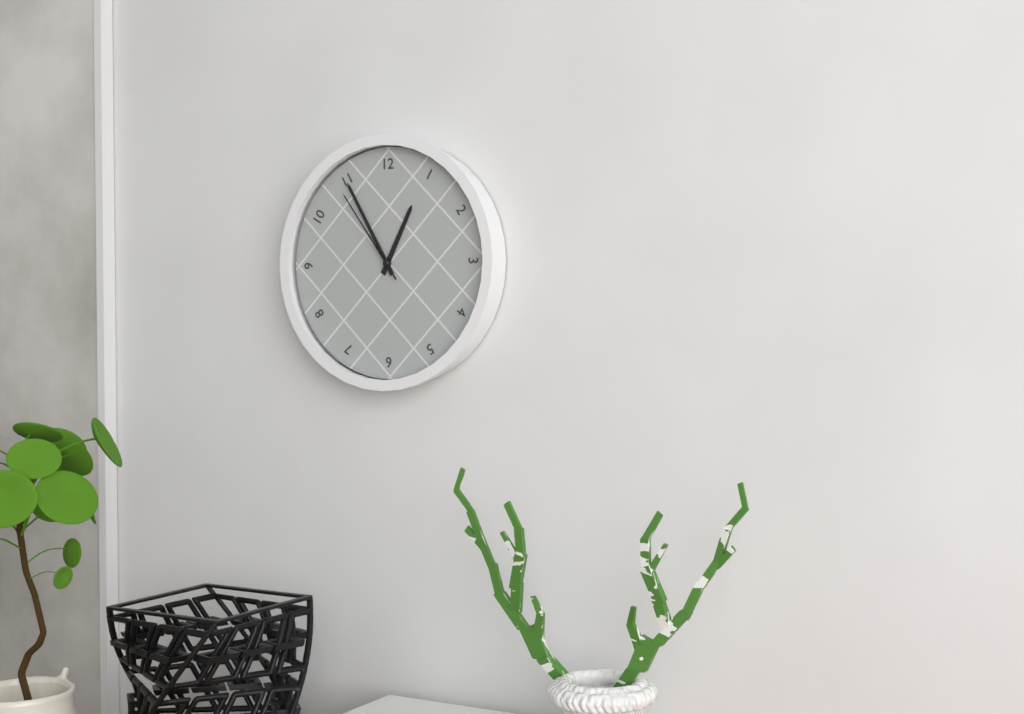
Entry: h=12 m=55 s=54
